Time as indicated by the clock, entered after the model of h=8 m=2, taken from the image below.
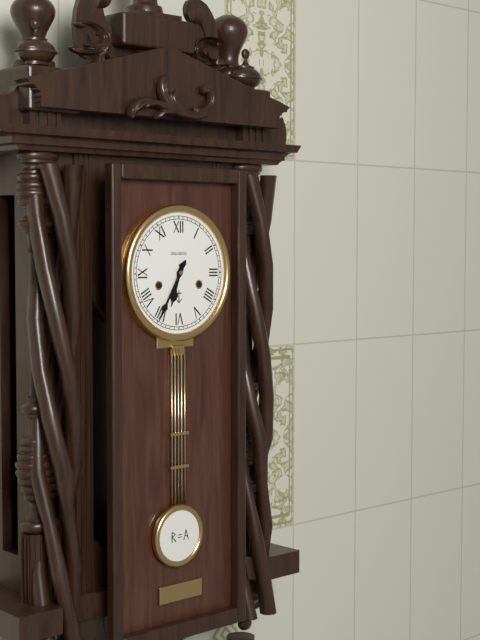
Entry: h=6 m=35
